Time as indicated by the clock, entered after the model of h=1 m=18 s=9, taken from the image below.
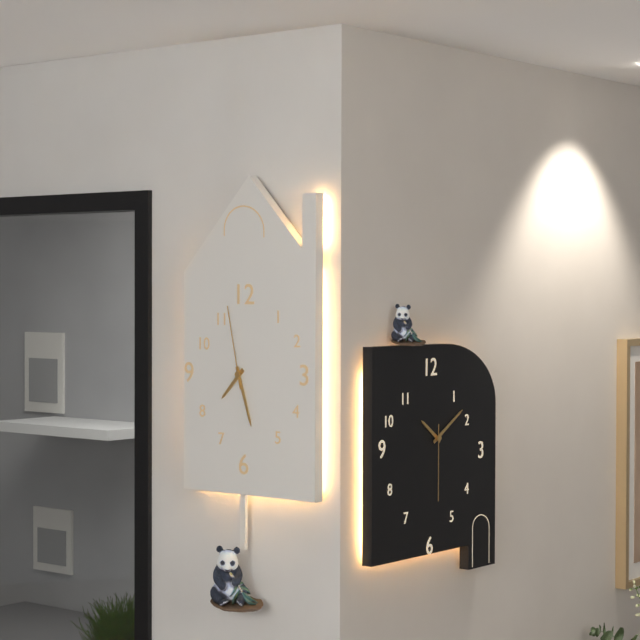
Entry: h=7 m=27 s=58
